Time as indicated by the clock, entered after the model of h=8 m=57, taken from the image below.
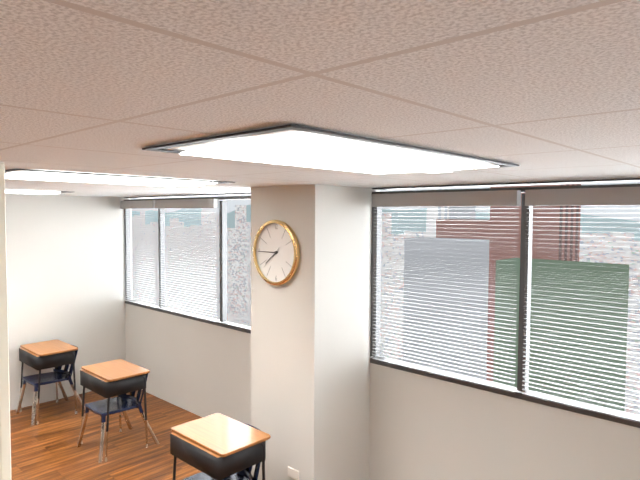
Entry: h=7 m=45
